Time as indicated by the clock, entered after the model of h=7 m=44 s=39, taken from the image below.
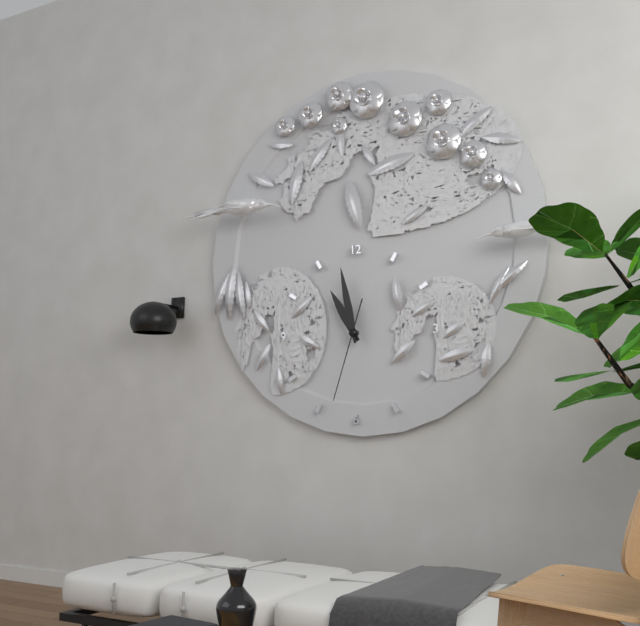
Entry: h=10 m=58 s=33
